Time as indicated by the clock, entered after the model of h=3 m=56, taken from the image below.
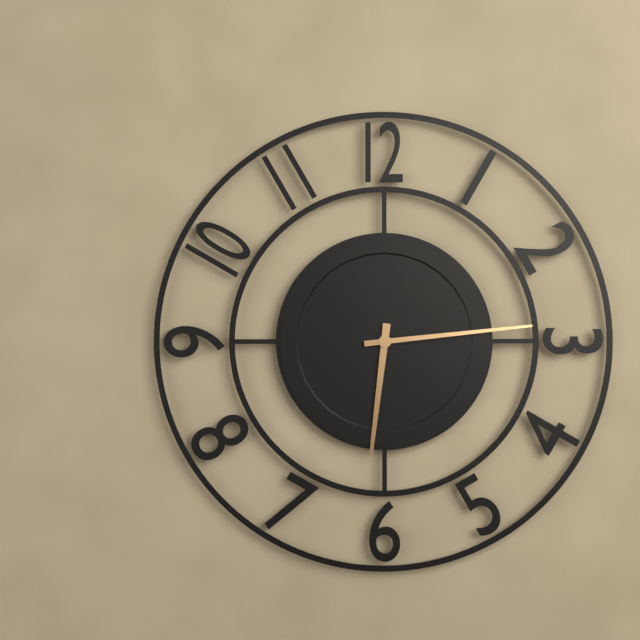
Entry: h=6 m=14
